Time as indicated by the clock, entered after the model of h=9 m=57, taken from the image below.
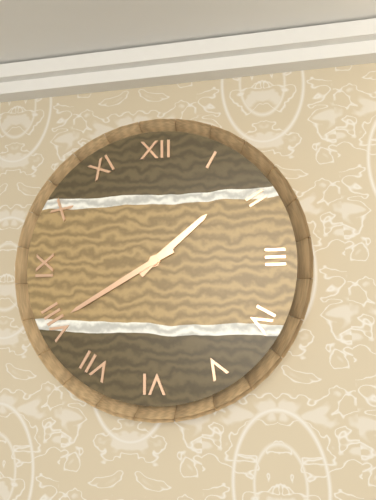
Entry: h=1 m=40
